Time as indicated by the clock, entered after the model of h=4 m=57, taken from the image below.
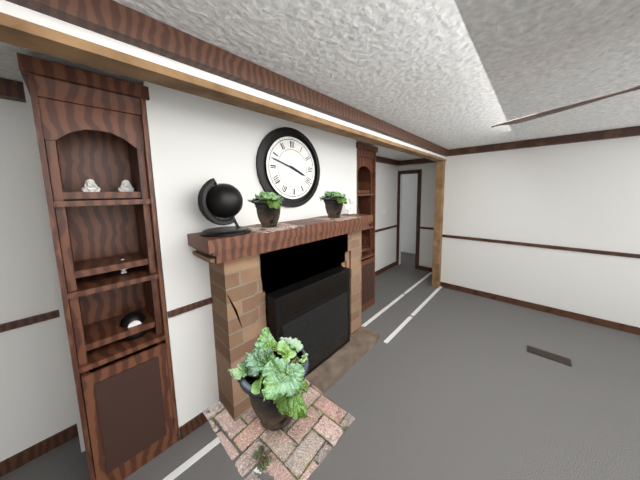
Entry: h=3 m=48
